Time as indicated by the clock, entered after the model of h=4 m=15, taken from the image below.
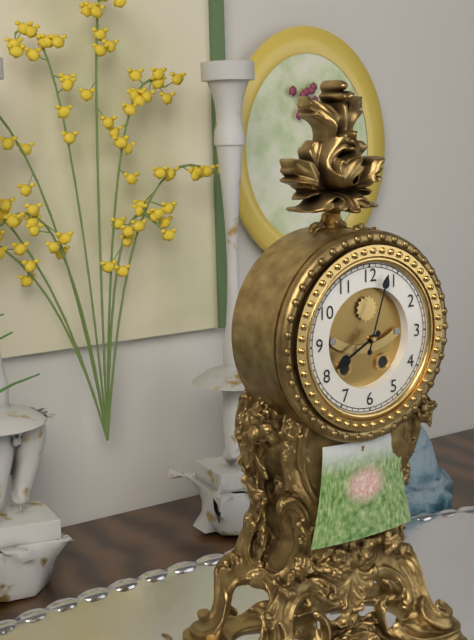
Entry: h=8 m=3
